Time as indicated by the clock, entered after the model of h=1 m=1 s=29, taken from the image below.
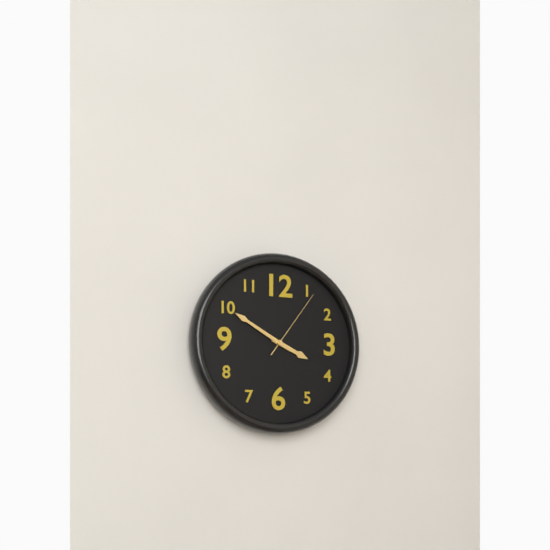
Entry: h=3 m=50 s=6
